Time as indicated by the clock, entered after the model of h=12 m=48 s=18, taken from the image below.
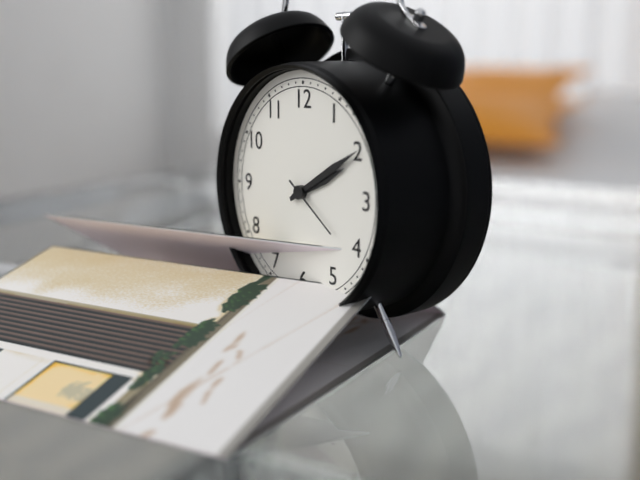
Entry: h=2 m=10 s=21
